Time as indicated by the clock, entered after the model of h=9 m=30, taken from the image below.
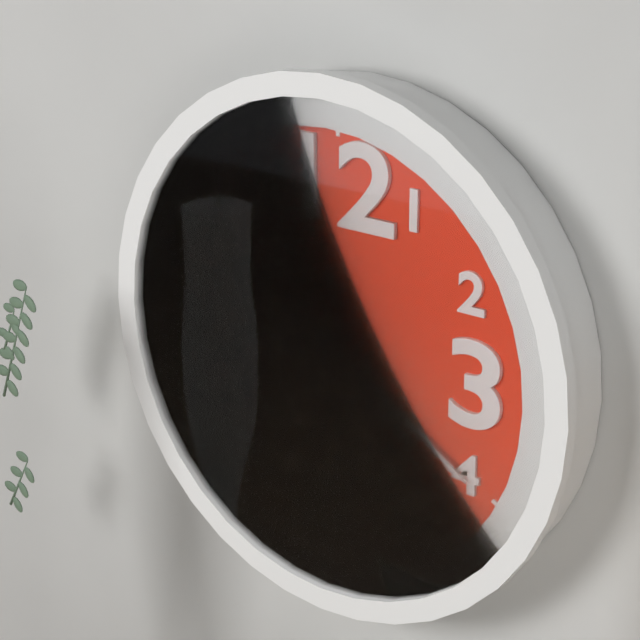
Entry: h=4 m=20
